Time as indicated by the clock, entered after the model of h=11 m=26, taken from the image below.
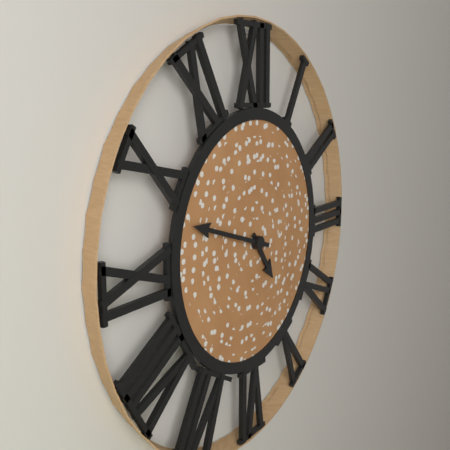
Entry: h=4 m=48
